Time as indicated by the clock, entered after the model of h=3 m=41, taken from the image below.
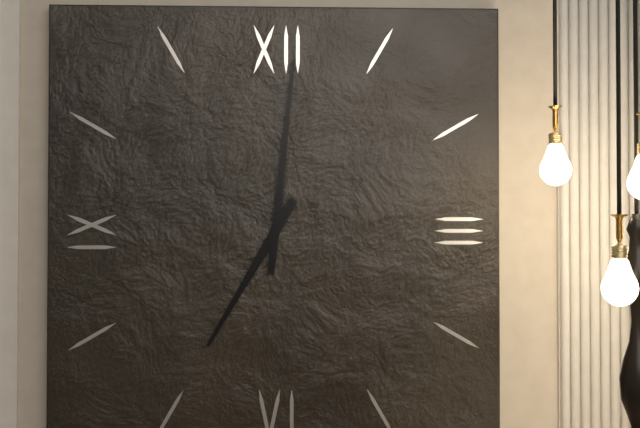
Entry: h=7 m=1
